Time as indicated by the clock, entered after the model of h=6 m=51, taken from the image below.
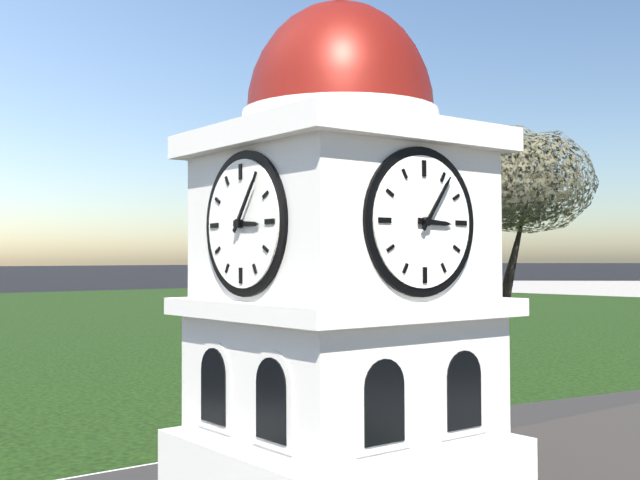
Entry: h=3 m=6
